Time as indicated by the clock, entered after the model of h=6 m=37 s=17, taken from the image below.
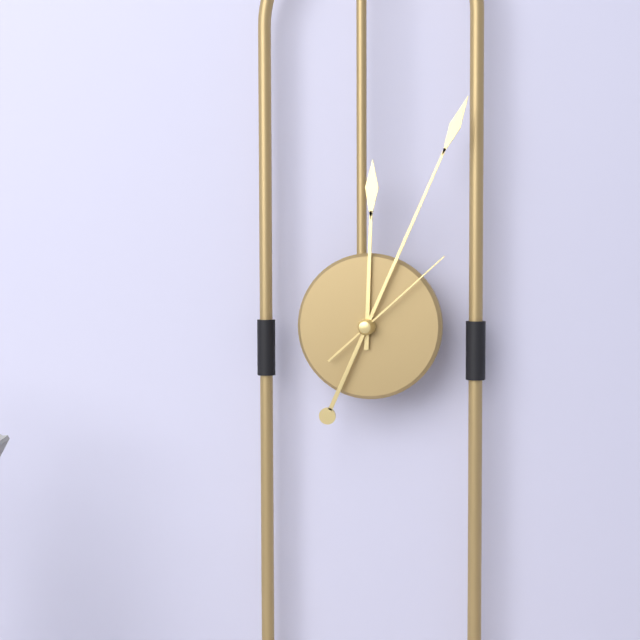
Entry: h=12 m=4 s=8
